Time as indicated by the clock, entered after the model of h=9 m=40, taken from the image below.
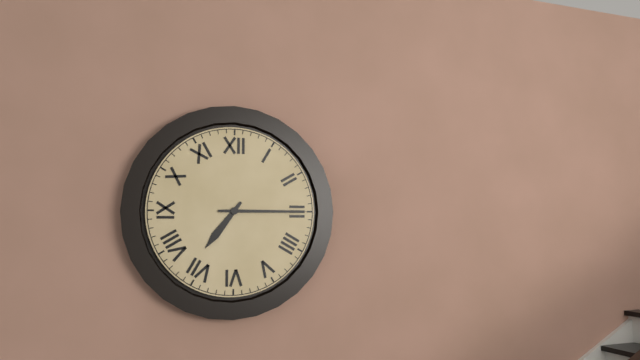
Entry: h=7 m=15
